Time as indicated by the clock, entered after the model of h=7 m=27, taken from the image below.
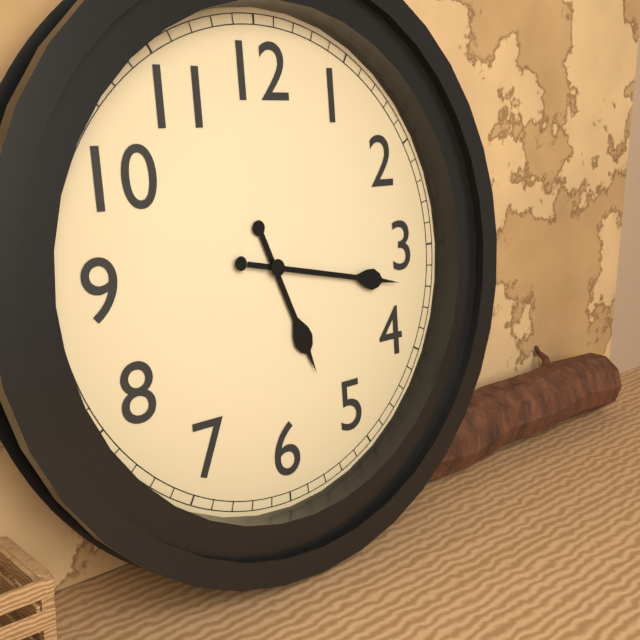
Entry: h=5 m=17
